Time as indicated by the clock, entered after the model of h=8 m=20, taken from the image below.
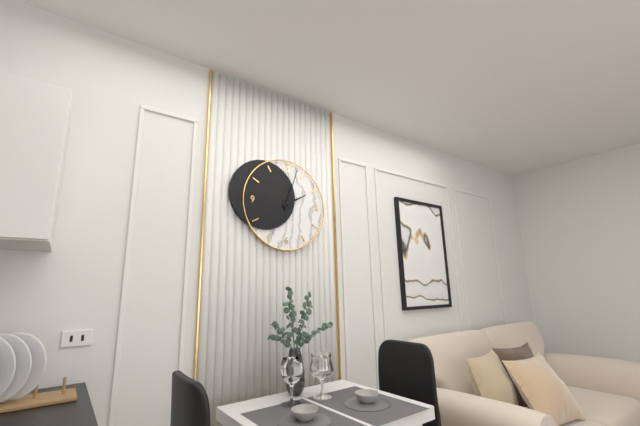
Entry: h=2 m=3
